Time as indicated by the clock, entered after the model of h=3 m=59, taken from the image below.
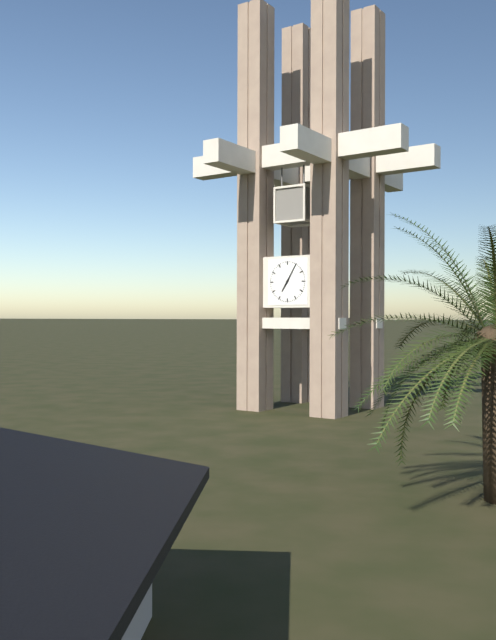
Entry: h=7 m=5
